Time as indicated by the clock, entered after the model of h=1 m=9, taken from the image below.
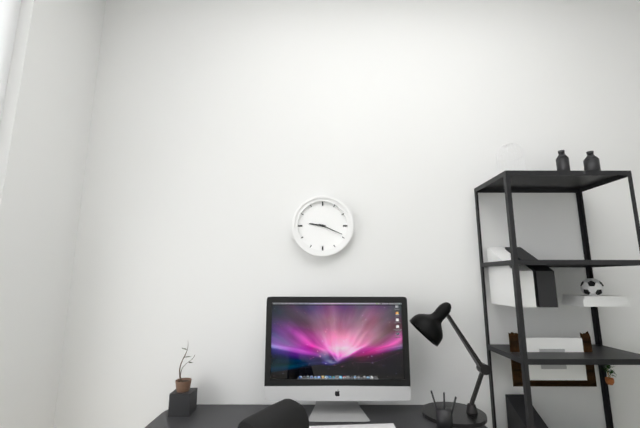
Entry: h=9 m=19
